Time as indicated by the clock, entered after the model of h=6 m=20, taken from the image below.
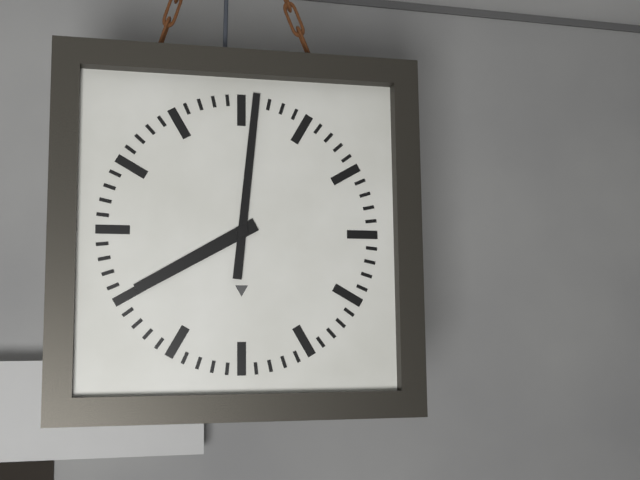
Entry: h=8 m=1
